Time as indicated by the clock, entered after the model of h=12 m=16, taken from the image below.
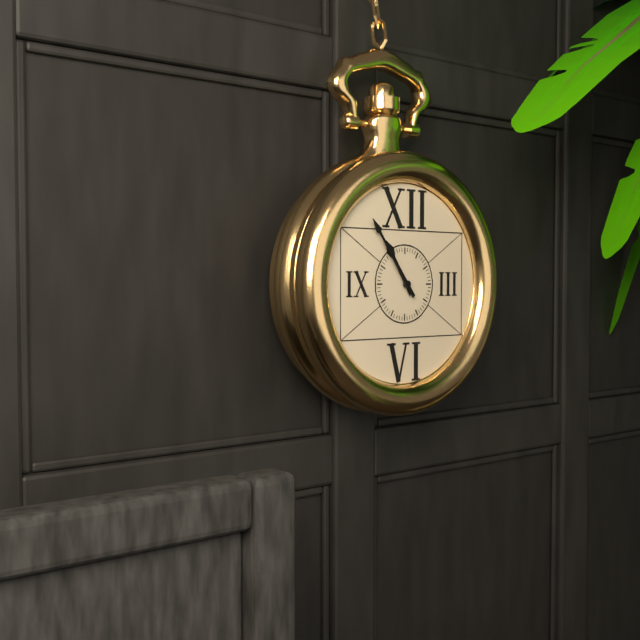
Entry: h=10 m=54
